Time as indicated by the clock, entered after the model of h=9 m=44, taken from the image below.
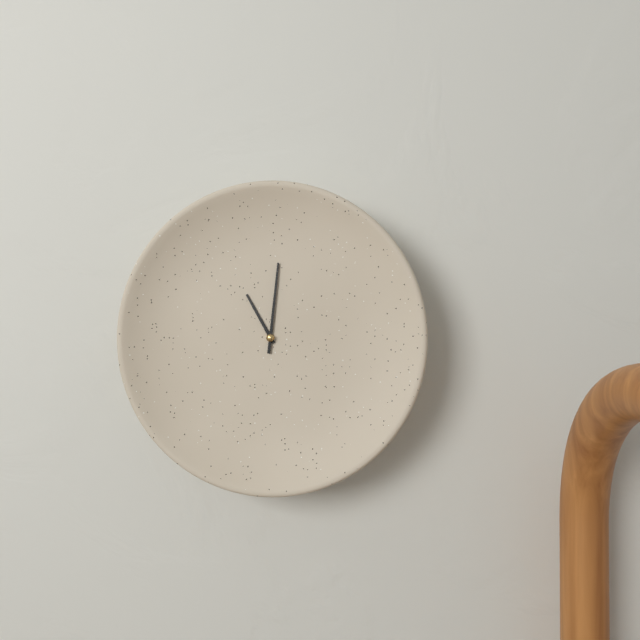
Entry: h=11 m=1
